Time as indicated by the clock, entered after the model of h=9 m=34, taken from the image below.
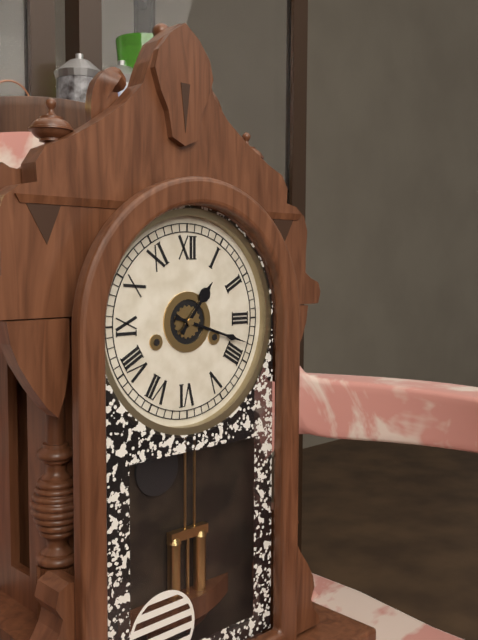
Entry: h=1 m=18
